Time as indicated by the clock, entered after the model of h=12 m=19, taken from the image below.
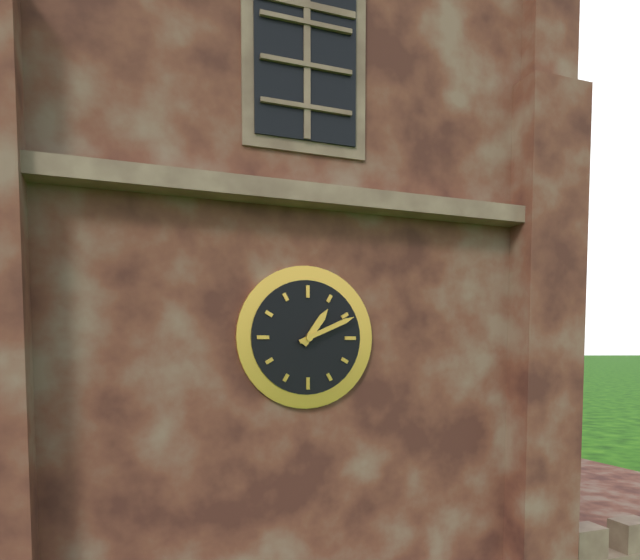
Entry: h=1 m=11
